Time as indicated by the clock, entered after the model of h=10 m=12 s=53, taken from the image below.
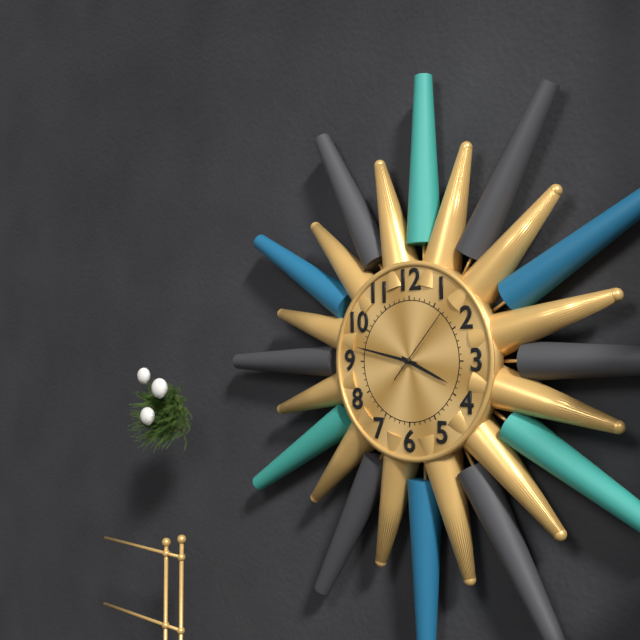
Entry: h=3 m=47 s=7
